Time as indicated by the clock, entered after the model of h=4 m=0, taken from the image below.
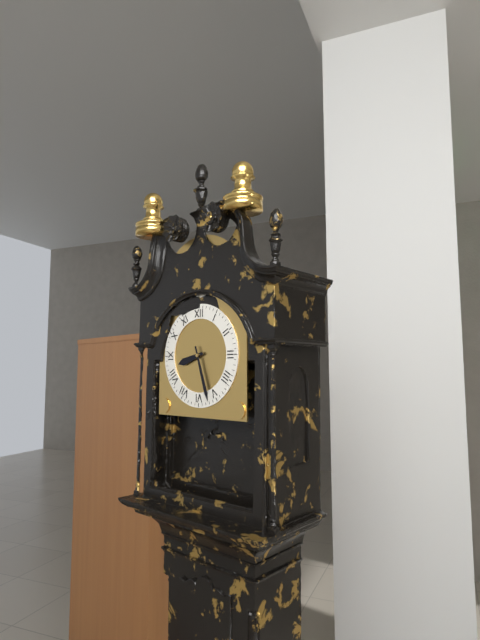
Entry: h=8 m=27
